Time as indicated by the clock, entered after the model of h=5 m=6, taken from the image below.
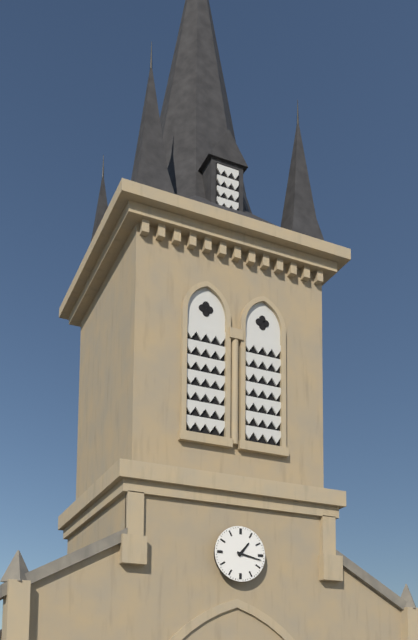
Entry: h=1 m=17
